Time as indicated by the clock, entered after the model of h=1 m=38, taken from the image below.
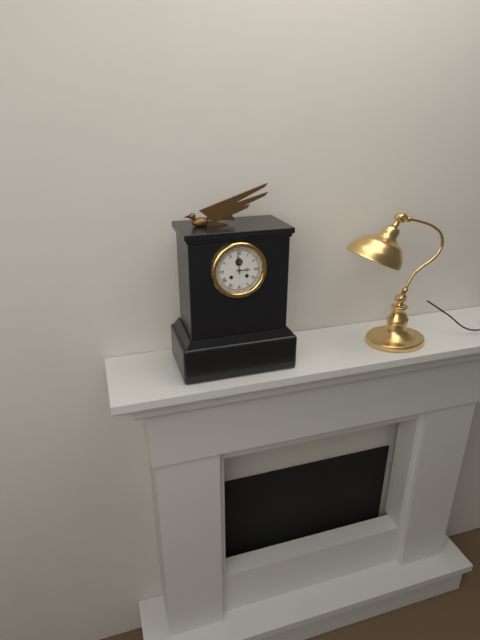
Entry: h=2 m=59
